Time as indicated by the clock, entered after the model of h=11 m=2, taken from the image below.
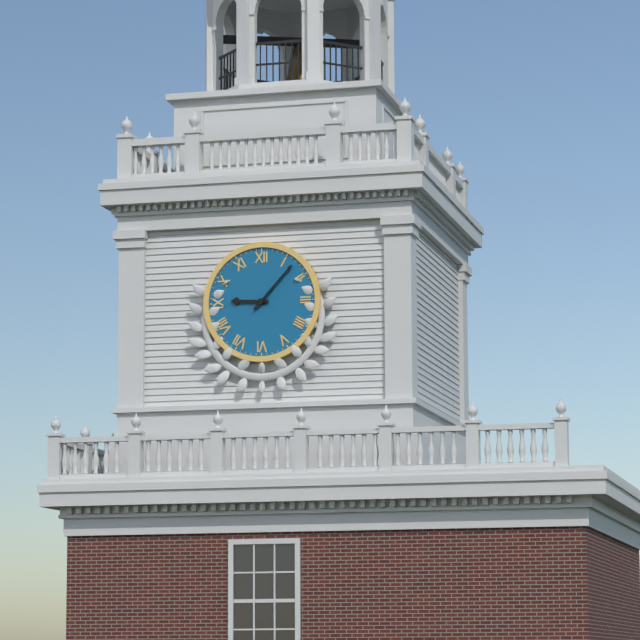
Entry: h=9 m=7
